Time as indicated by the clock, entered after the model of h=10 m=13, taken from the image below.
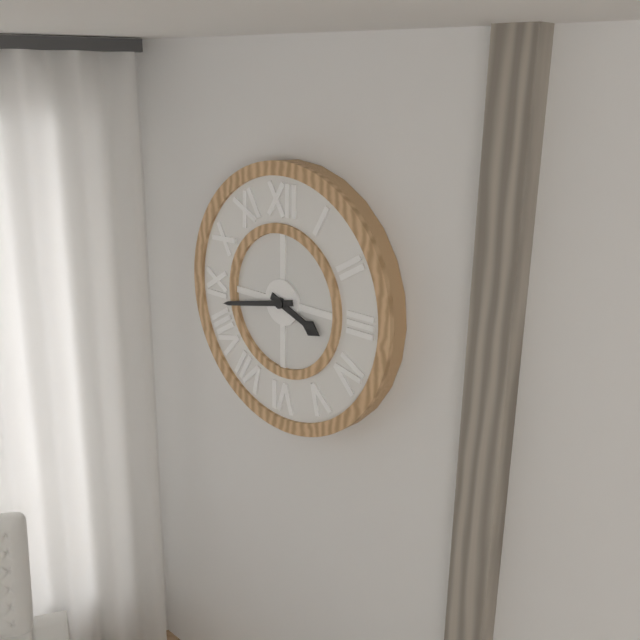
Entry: h=3 m=43
